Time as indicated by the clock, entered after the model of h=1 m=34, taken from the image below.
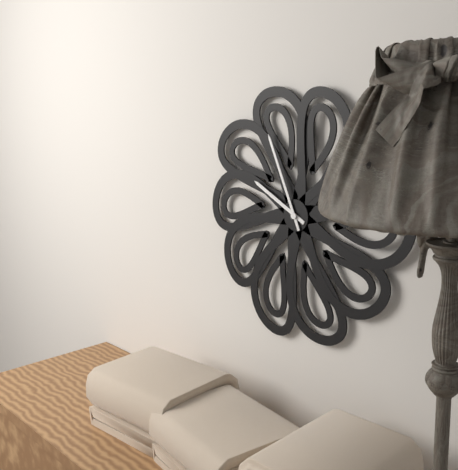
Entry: h=9 m=56
